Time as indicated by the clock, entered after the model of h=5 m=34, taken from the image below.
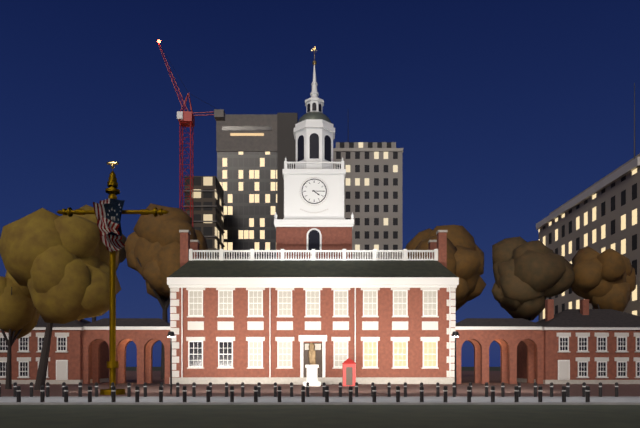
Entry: h=4 m=15
